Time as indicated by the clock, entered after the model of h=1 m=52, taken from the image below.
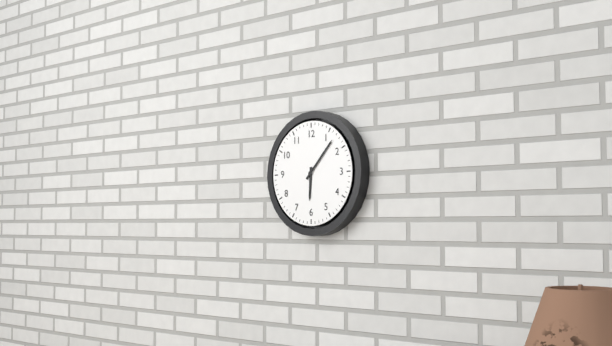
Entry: h=6 m=7
